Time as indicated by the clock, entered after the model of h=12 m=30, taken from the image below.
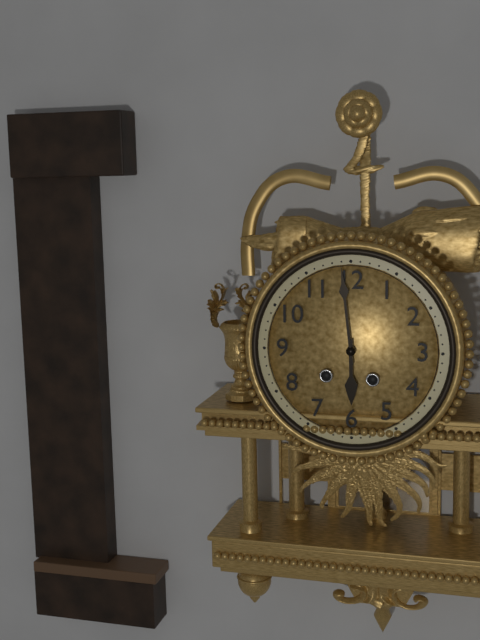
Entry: h=5 m=59
